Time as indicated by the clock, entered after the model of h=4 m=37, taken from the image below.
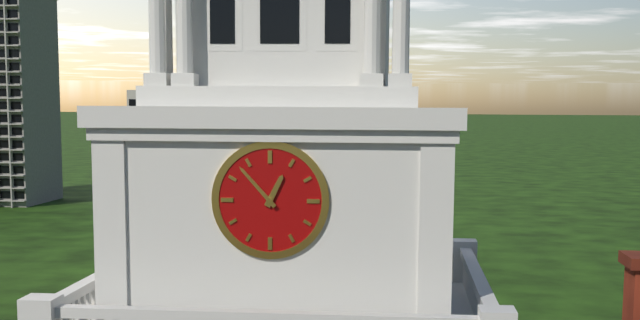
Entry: h=12 m=53
